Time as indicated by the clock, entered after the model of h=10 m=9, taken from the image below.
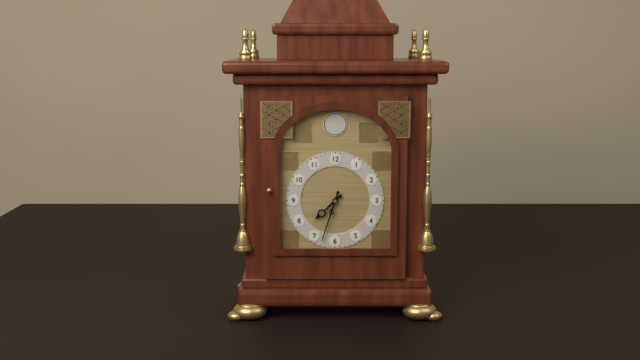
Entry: h=7 m=33
